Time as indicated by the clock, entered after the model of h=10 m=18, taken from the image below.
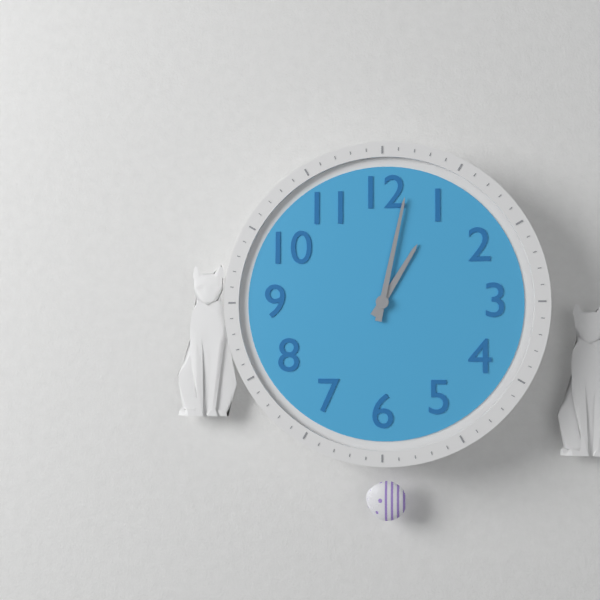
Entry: h=1 m=2
